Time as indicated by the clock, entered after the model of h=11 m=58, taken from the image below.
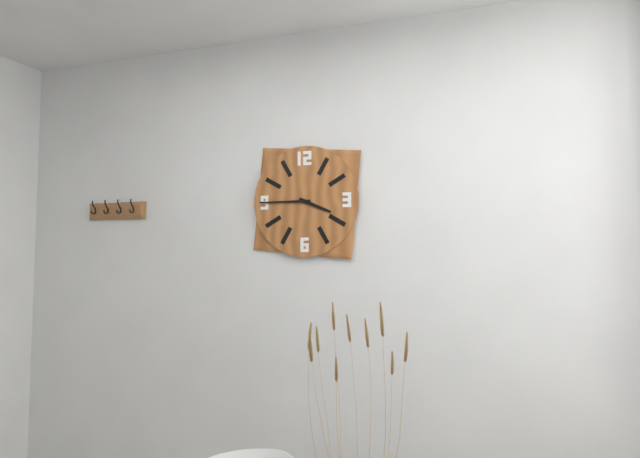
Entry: h=3 m=45
